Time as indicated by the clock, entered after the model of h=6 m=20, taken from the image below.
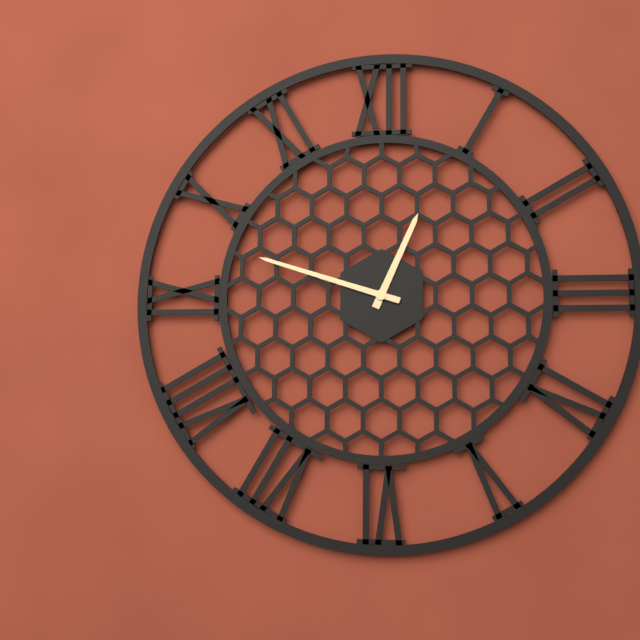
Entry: h=12 m=48
